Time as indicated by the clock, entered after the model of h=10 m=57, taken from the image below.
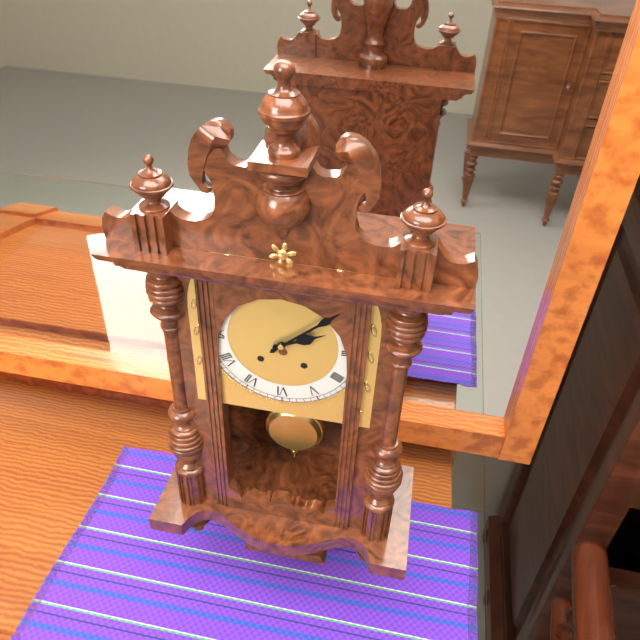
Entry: h=2 m=8
